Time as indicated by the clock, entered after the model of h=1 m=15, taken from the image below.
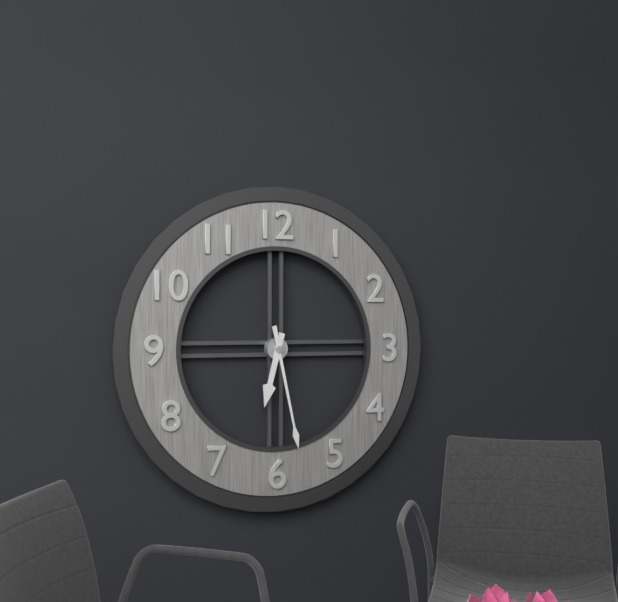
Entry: h=6 m=28
